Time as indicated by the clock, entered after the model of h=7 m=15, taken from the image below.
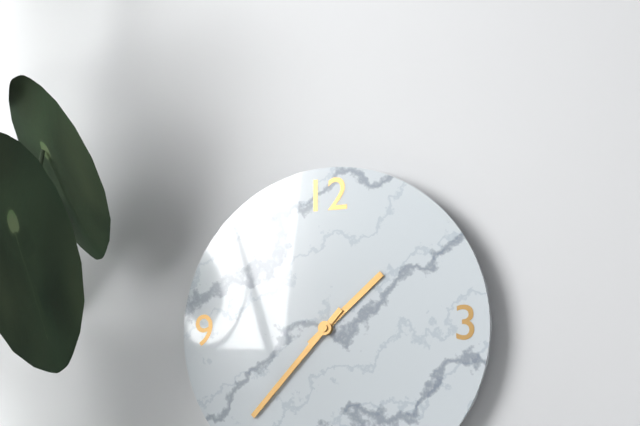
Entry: h=1 m=37
